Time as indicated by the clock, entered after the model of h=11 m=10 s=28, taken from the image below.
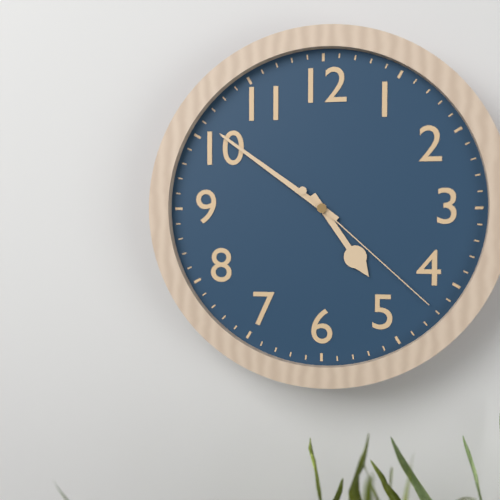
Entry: h=4 m=51 s=22
